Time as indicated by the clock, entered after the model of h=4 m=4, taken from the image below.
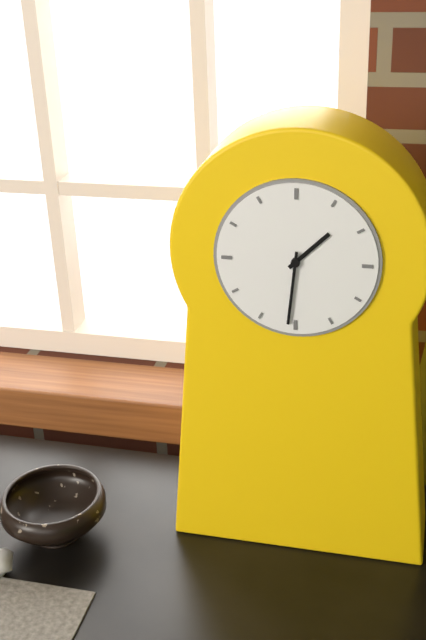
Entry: h=1 m=31
